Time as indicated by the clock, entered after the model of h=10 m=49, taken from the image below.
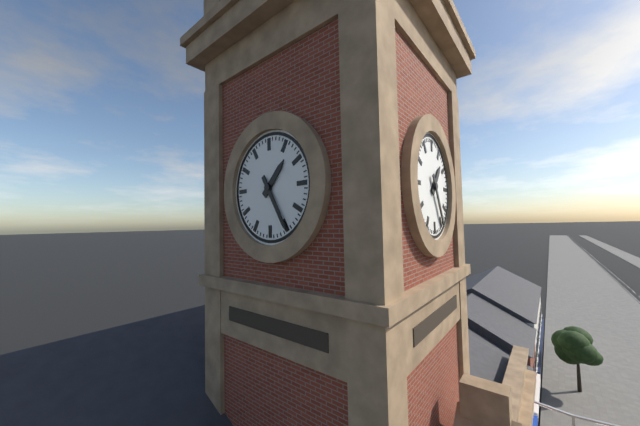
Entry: h=1 m=25
